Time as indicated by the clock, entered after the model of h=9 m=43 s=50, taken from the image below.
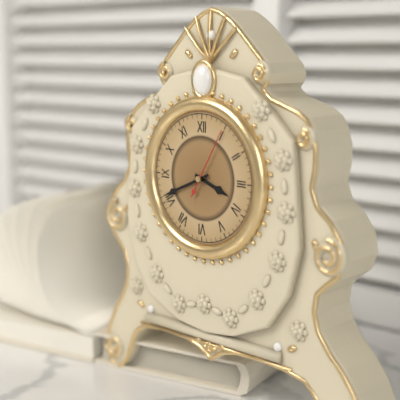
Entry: h=3 m=41 s=5
